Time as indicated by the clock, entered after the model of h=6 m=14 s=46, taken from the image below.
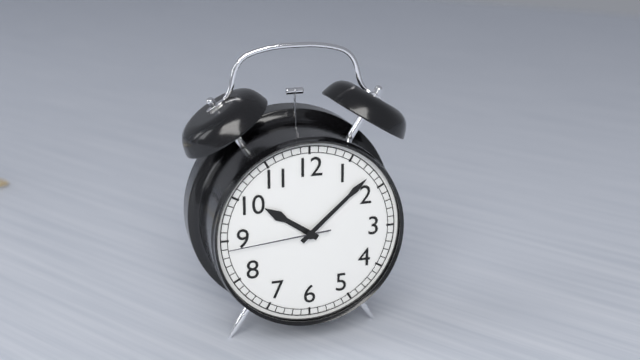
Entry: h=10 m=8 s=44
